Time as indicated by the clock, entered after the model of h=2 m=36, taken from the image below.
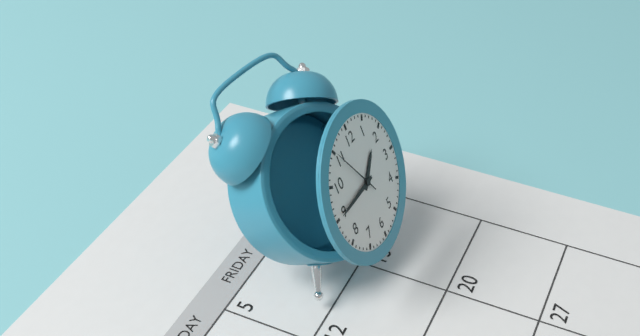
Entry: h=1 m=45
